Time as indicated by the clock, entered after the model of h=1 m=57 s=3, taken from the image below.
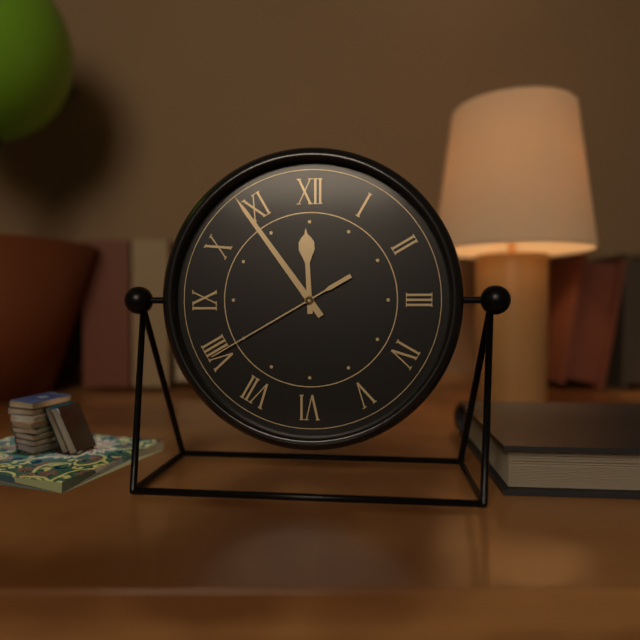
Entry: h=11 m=54 s=40
